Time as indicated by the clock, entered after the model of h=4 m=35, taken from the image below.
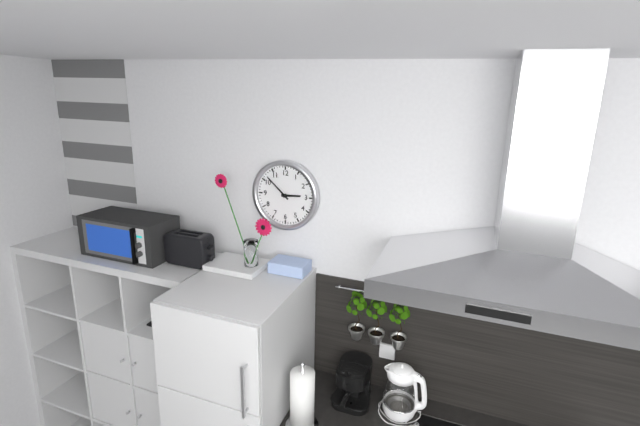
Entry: h=2 m=52
